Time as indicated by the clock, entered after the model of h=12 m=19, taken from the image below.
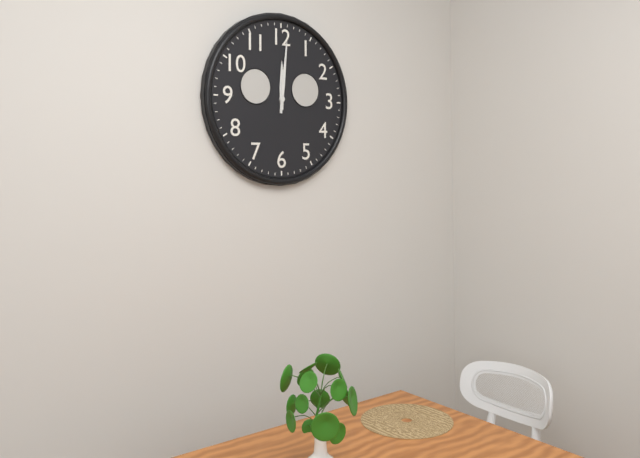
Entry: h=12 m=1
